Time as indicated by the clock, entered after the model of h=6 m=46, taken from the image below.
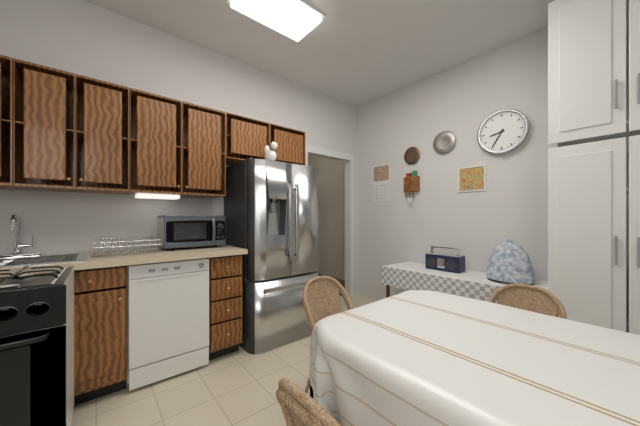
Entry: h=8 m=35
